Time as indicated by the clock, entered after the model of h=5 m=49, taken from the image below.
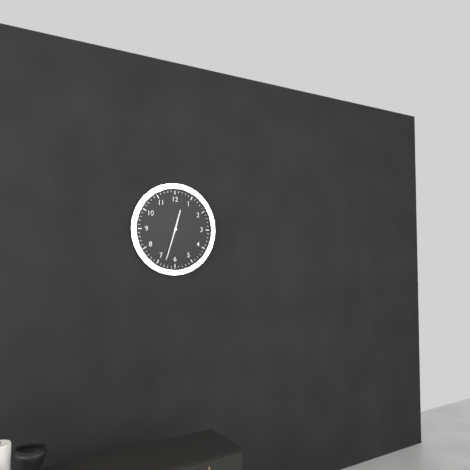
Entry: h=12 m=33
